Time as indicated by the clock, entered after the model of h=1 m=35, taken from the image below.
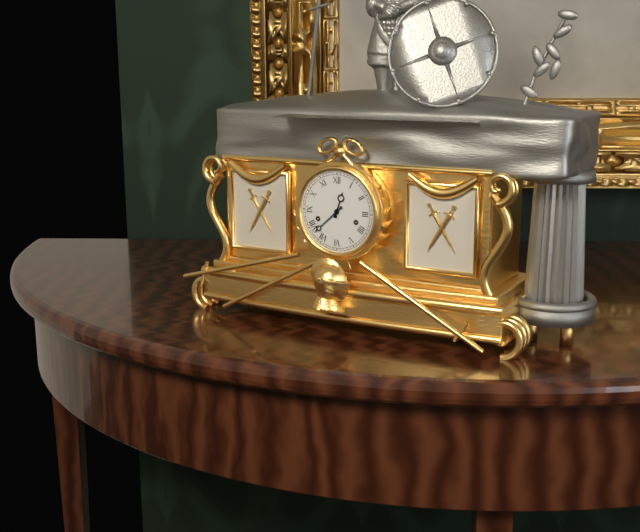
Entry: h=12 m=38
